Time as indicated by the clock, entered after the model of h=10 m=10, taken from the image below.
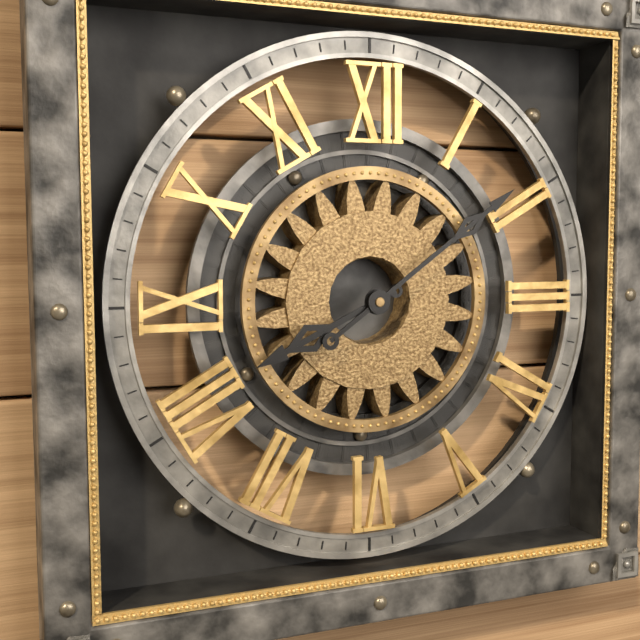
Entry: h=8 m=9
